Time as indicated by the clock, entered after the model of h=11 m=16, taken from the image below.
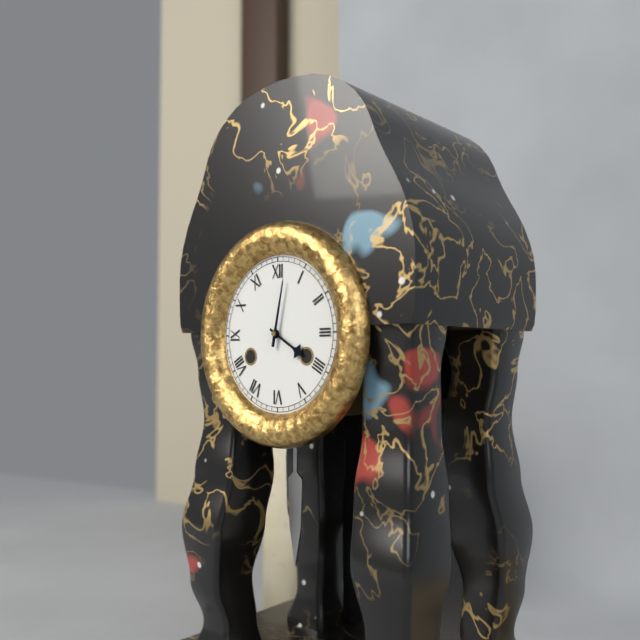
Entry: h=4 m=2
